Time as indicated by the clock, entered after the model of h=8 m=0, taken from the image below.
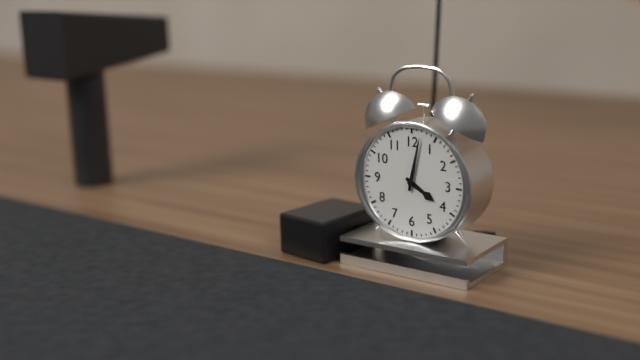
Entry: h=4 m=2
